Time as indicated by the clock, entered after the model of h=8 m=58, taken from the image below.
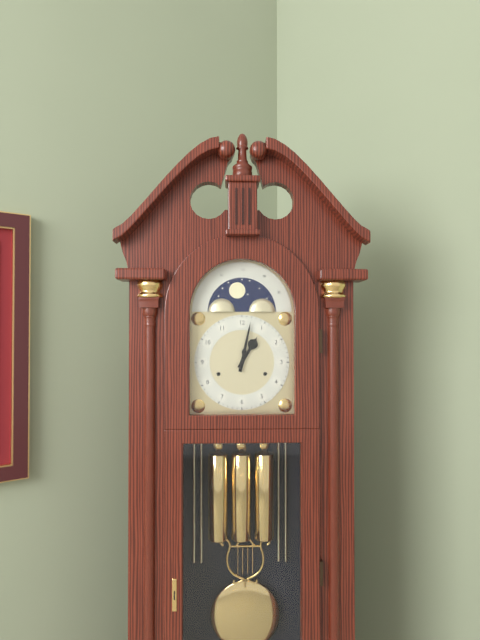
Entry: h=1 m=2
